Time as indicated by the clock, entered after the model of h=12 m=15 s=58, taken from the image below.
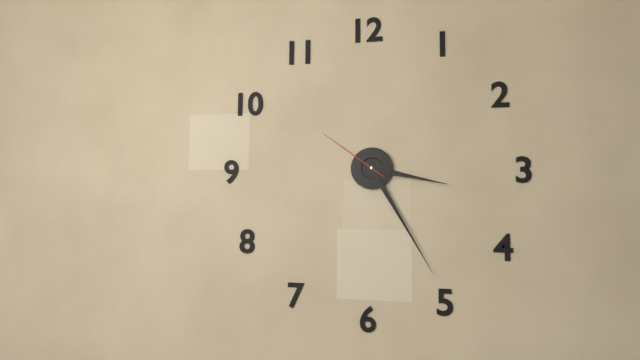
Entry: h=3 m=25 s=51
